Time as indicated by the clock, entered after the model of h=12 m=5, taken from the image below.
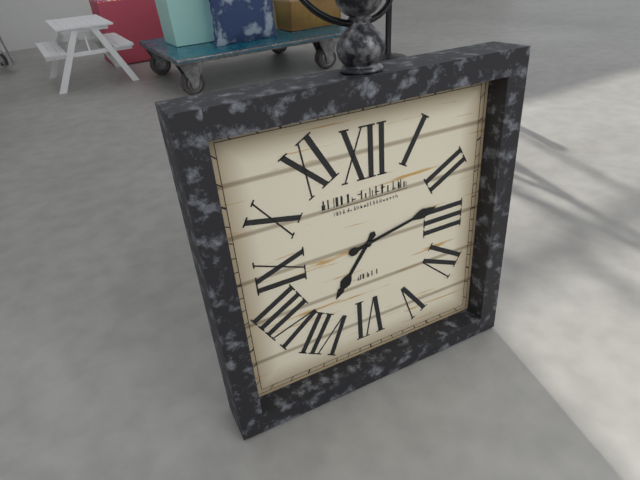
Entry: h=7 m=13
